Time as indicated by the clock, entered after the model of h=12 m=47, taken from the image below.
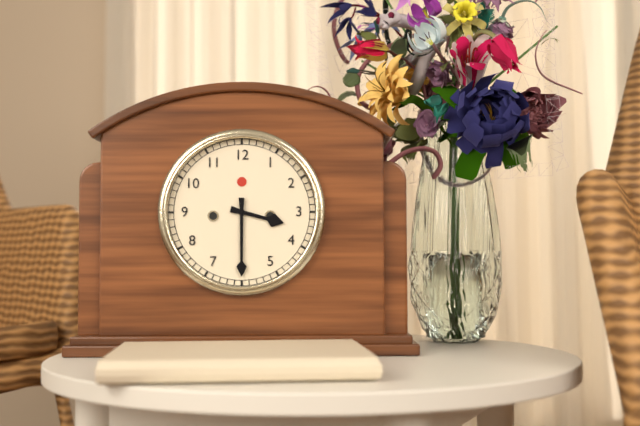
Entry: h=3 m=30
